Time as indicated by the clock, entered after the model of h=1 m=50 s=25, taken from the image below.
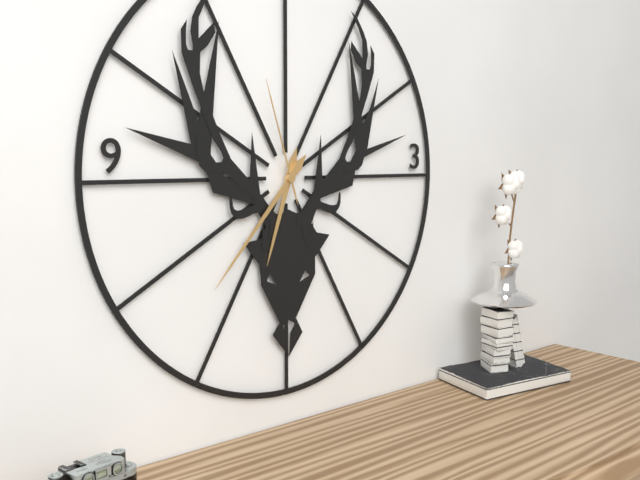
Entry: h=6 m=37 s=57
